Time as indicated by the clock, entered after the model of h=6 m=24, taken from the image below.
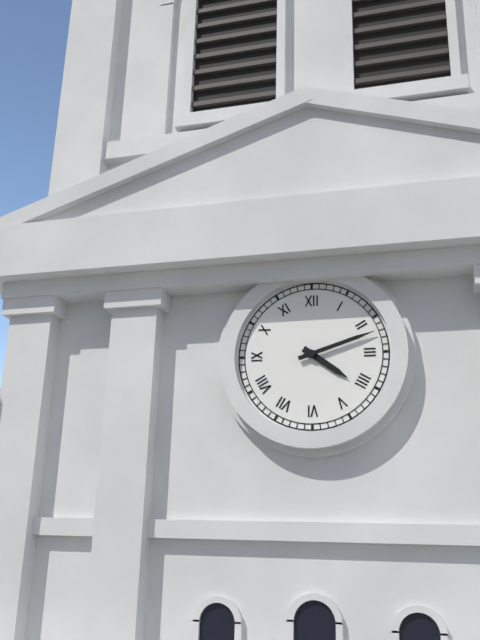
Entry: h=4 m=12
